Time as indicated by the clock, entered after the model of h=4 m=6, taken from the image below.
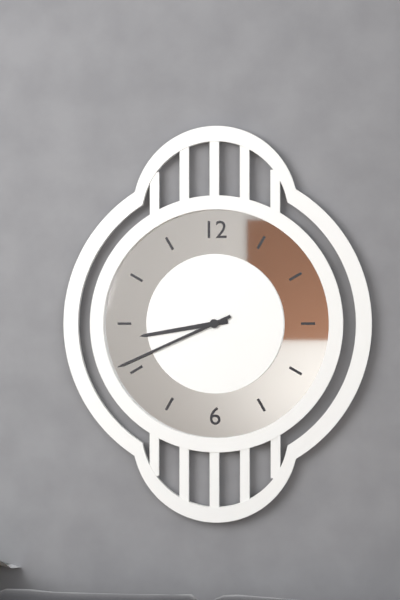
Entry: h=8 m=41
